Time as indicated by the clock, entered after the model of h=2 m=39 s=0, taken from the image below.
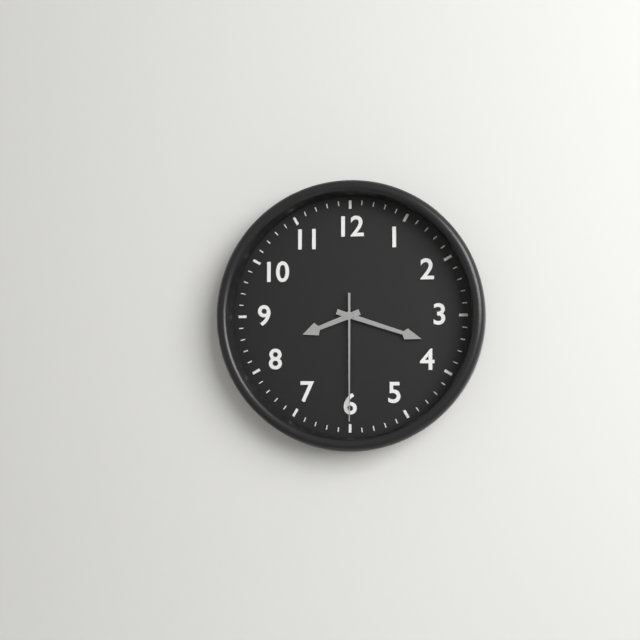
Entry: h=8 m=18 s=30
